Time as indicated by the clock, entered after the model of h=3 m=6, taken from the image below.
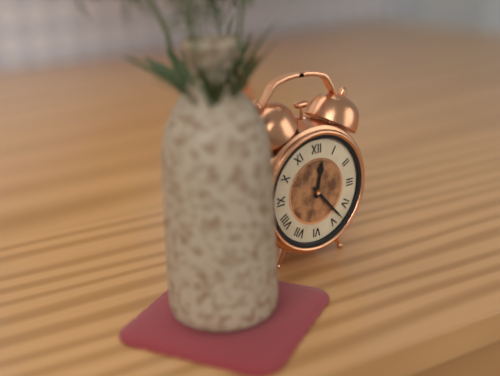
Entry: h=12 m=23
